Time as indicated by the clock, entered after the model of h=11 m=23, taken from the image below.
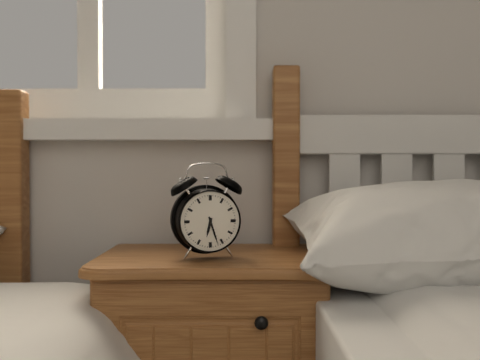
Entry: h=6 m=27
